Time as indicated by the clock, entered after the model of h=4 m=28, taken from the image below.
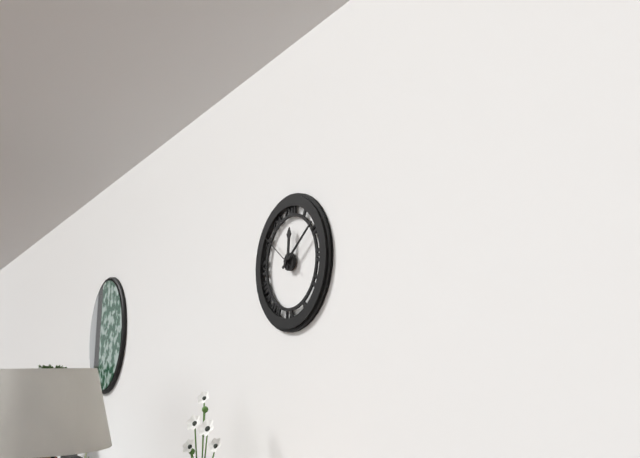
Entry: h=12 m=9
